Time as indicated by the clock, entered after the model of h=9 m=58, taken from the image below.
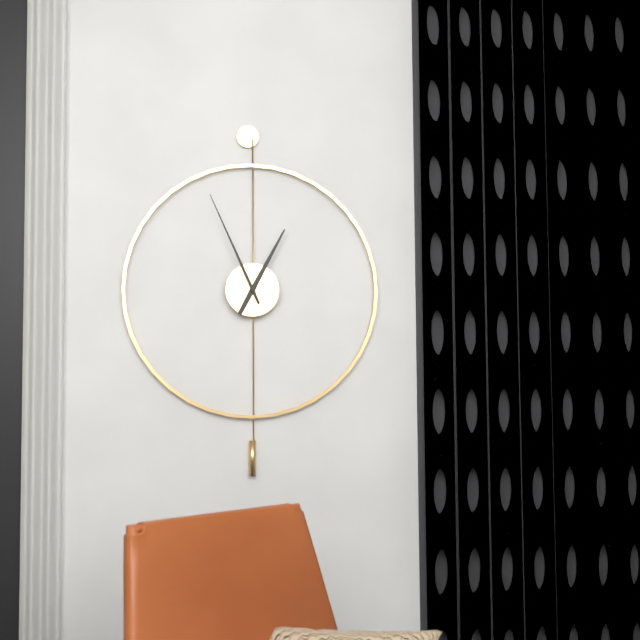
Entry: h=12 m=56
